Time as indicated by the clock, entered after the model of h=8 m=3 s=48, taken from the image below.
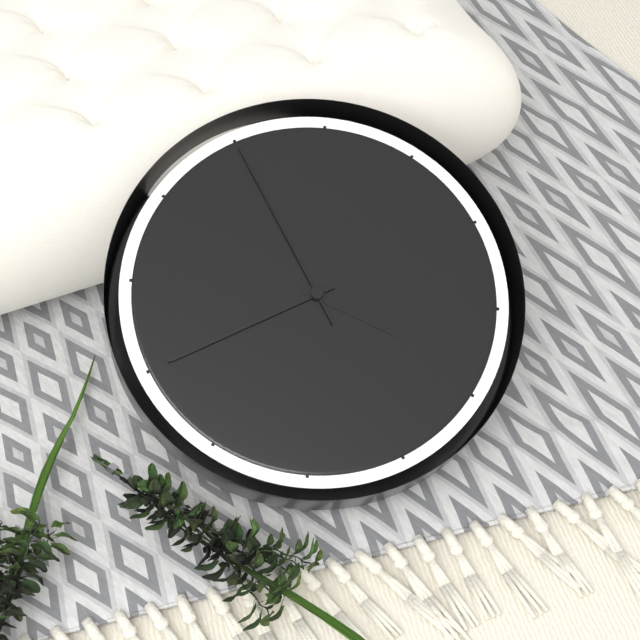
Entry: h=4 m=45 s=0
